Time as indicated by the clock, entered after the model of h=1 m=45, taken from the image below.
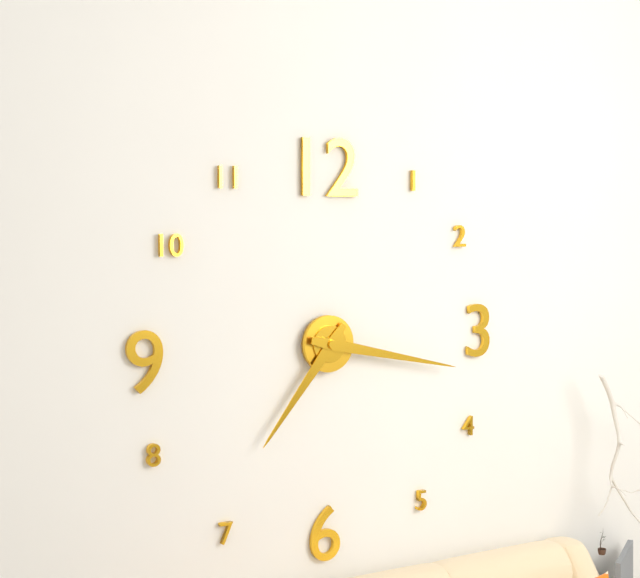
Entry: h=7 m=17
